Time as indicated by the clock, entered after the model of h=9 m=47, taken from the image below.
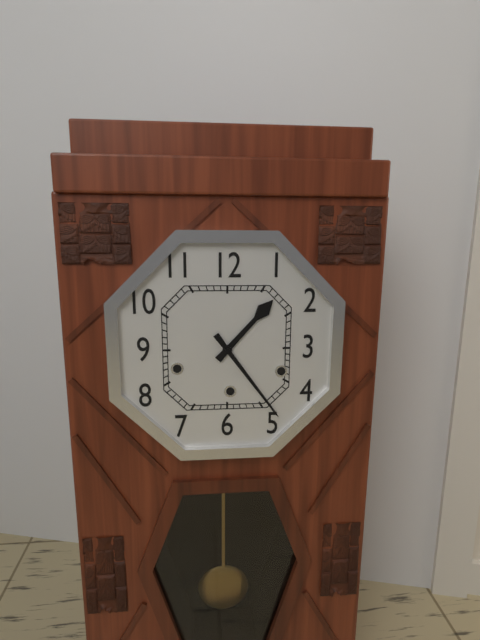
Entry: h=1 m=24
